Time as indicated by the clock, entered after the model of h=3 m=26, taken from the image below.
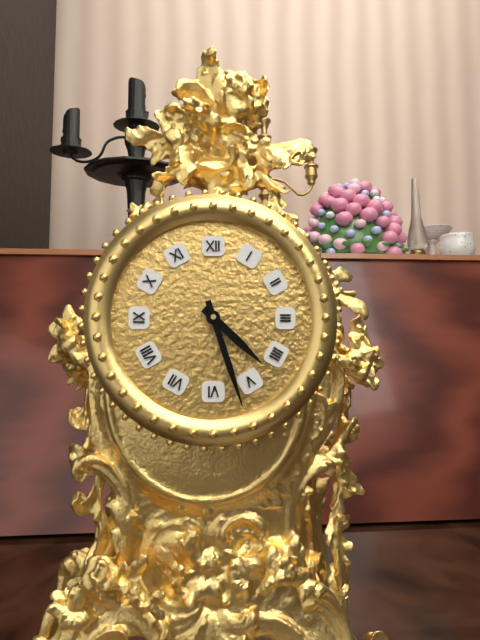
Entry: h=4 m=27
